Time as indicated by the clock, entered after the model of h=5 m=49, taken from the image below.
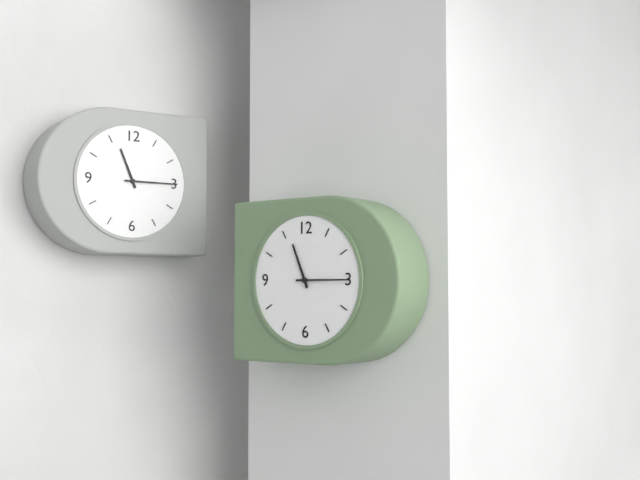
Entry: h=11 m=15
